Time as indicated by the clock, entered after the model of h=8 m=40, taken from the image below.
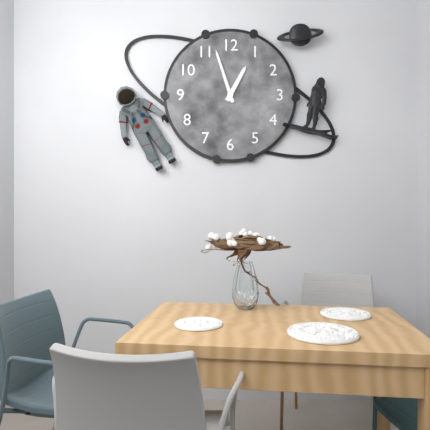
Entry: h=12 m=57
